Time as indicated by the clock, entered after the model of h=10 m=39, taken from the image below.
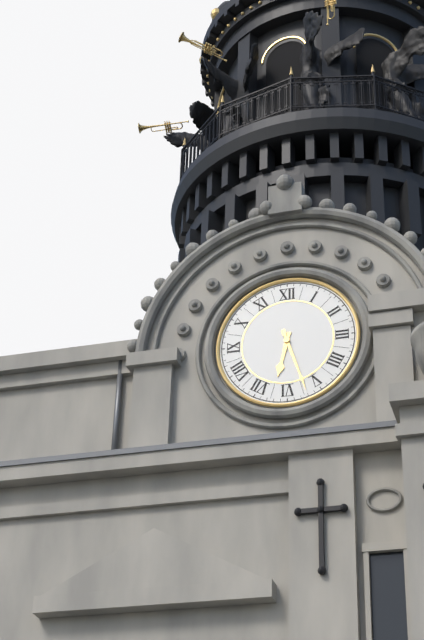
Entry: h=6 m=27
